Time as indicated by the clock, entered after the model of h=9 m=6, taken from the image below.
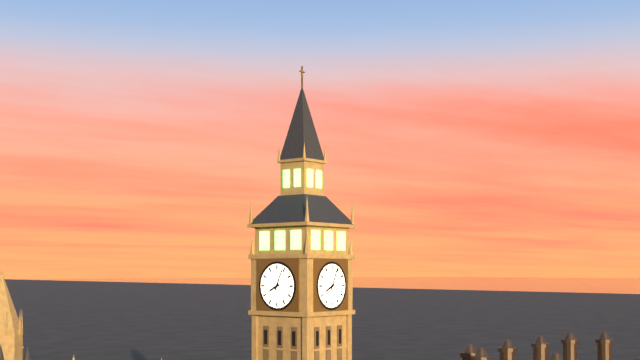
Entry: h=8 m=4
